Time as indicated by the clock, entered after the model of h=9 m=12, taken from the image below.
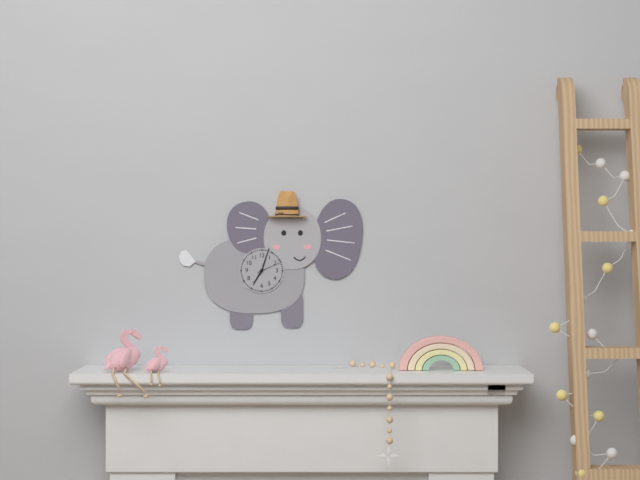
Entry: h=7 m=3
